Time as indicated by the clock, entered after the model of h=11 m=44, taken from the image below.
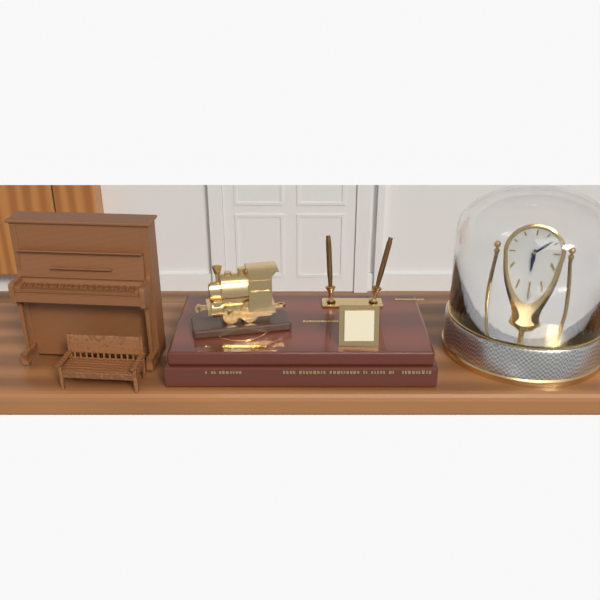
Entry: h=6 m=8
